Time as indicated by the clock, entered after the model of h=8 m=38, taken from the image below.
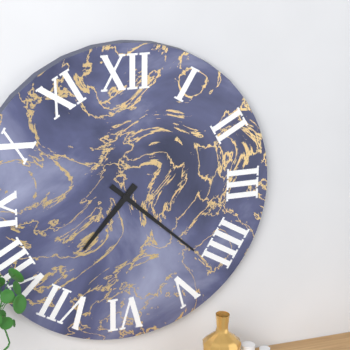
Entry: h=7 m=22
